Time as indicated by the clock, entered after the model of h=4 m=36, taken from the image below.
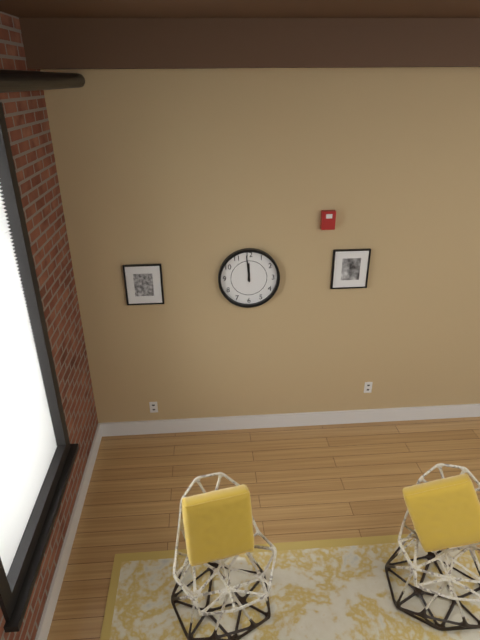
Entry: h=11 m=59
